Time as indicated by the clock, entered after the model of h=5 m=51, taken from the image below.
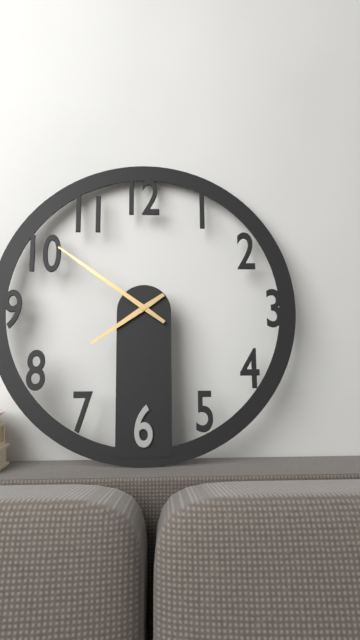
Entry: h=7 m=51
